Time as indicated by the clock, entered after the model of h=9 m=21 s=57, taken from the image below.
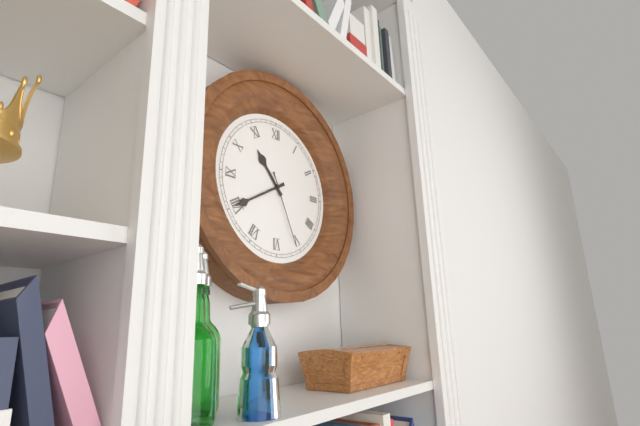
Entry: h=10 m=40 s=26
